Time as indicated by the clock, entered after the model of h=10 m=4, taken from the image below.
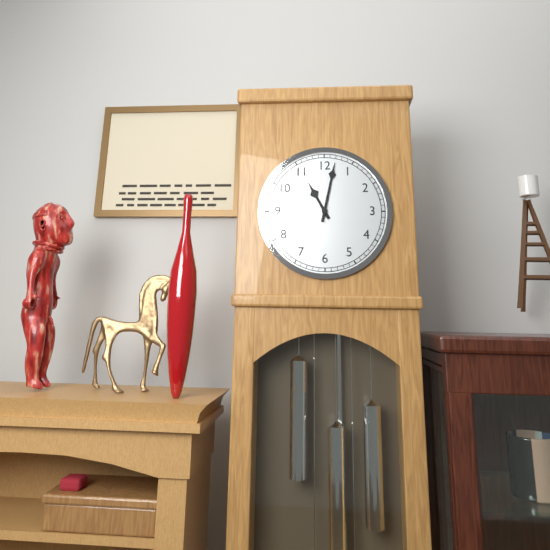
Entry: h=11 m=2
